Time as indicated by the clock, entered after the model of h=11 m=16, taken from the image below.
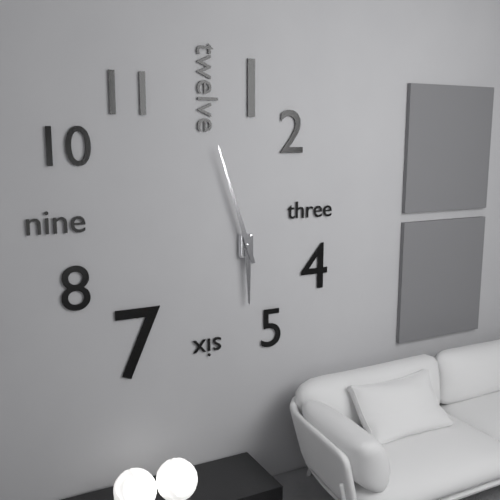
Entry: h=5 m=57
